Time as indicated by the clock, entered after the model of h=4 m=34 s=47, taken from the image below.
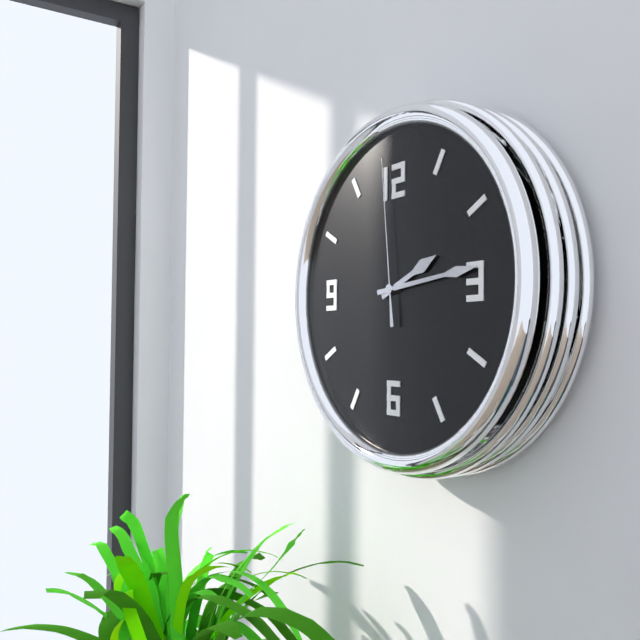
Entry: h=2 m=14 s=59
